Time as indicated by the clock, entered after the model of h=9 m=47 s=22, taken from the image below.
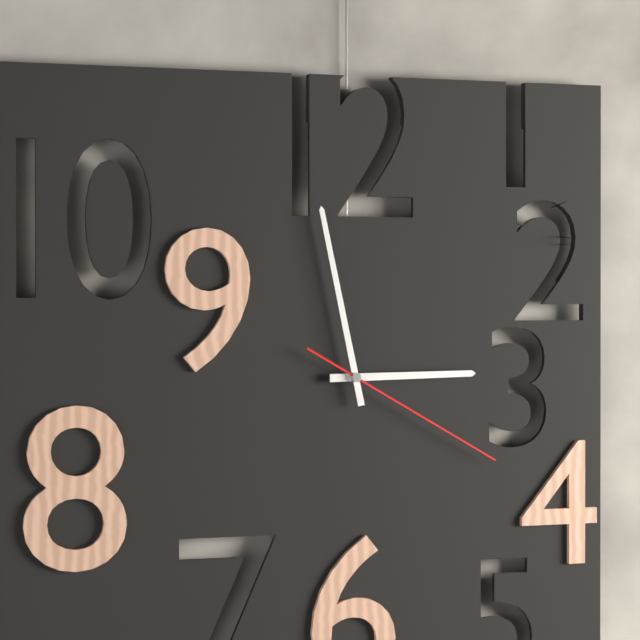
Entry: h=2 m=58 s=20
